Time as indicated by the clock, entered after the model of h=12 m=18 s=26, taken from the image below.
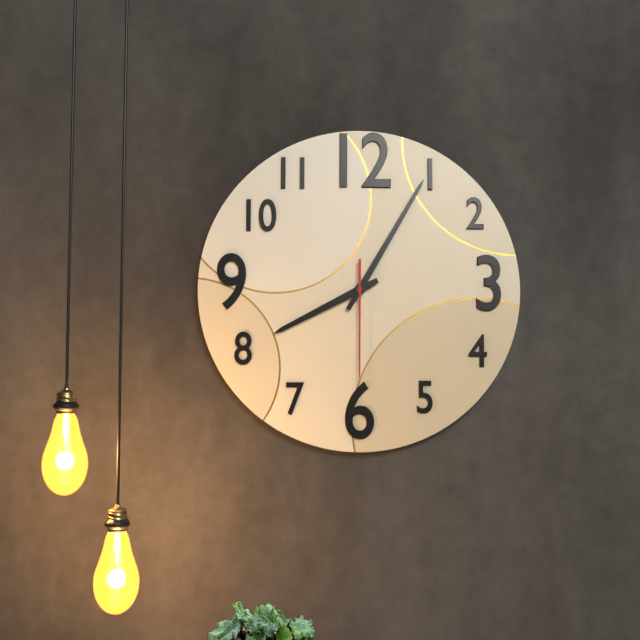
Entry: h=8 m=5 s=30
